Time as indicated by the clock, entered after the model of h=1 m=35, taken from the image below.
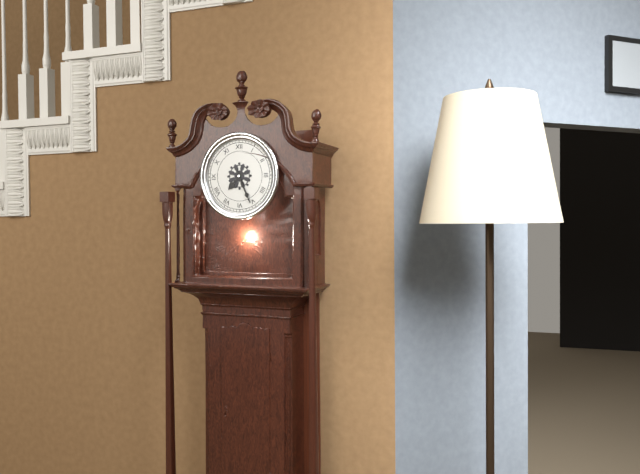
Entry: h=7 m=26
